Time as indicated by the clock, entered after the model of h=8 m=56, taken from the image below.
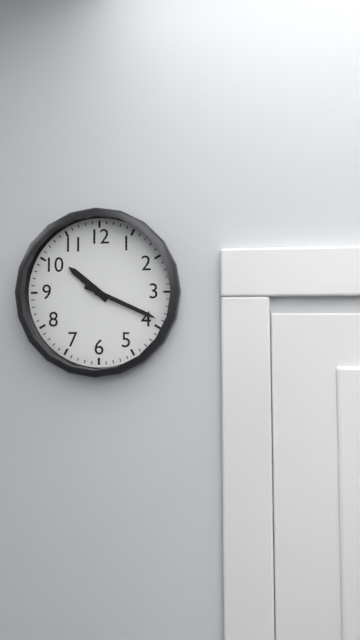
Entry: h=10 m=19
